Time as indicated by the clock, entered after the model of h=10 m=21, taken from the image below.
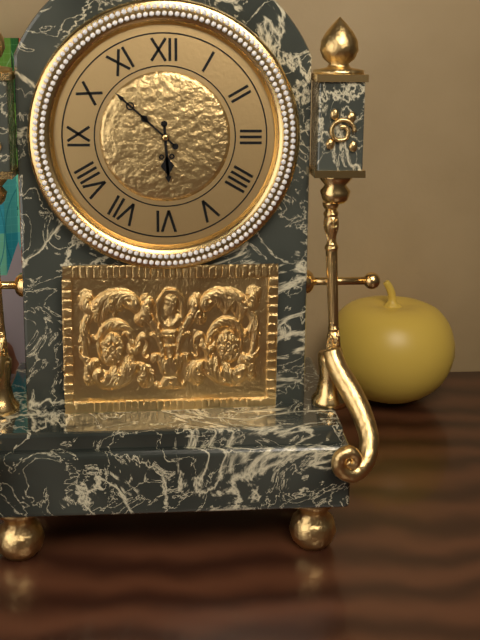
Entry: h=5 m=52
